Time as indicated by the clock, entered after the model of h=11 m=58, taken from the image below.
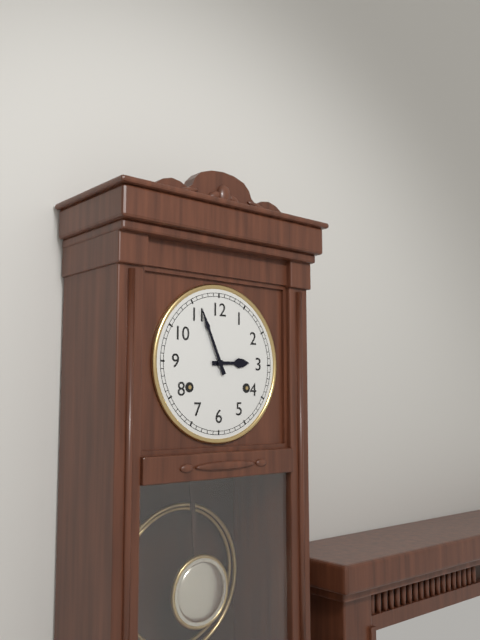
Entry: h=2 m=56
